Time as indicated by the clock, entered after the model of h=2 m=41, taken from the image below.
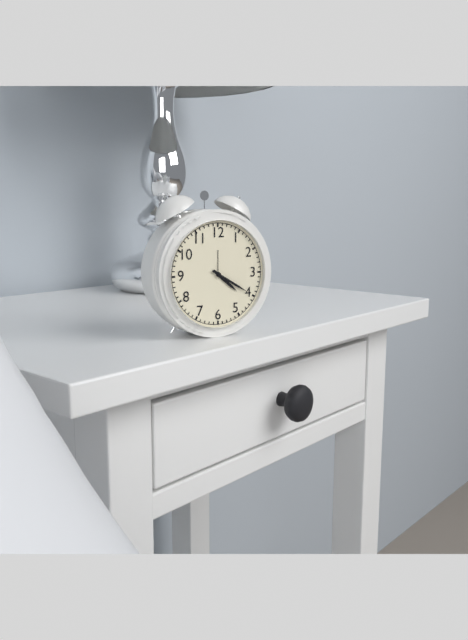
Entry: h=4 m=20
